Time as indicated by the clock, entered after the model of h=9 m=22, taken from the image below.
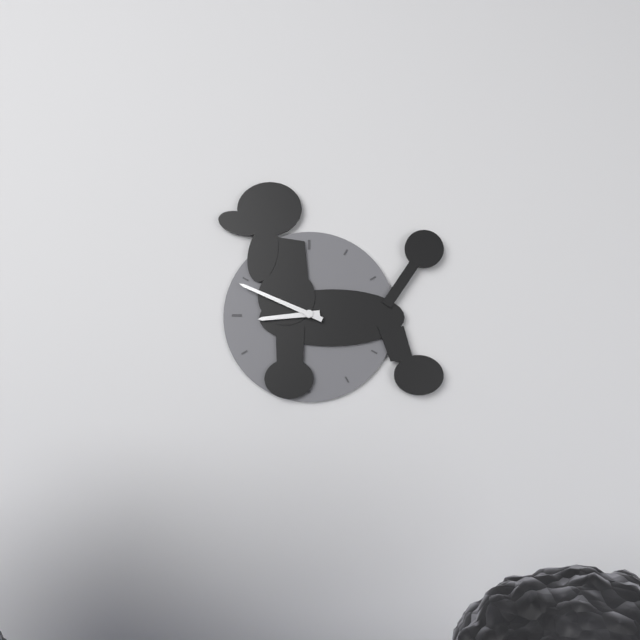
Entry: h=8 m=49
